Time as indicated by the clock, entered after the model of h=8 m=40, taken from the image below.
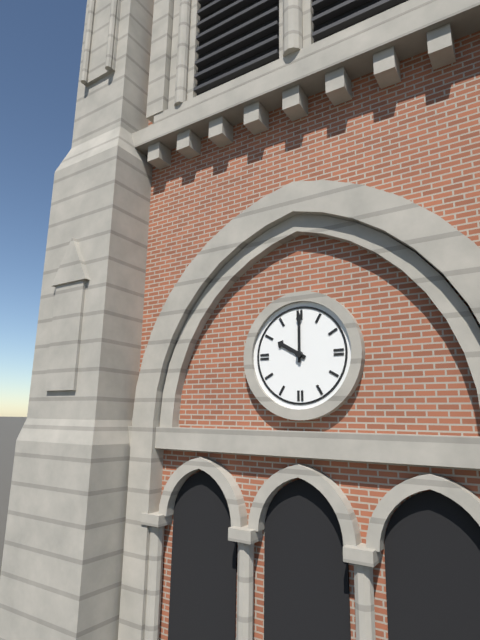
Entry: h=10 m=0
